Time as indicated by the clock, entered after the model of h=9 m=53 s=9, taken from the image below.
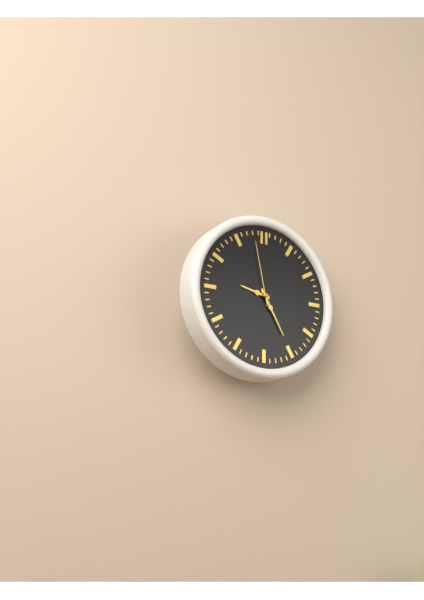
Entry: h=9 m=25 s=58
